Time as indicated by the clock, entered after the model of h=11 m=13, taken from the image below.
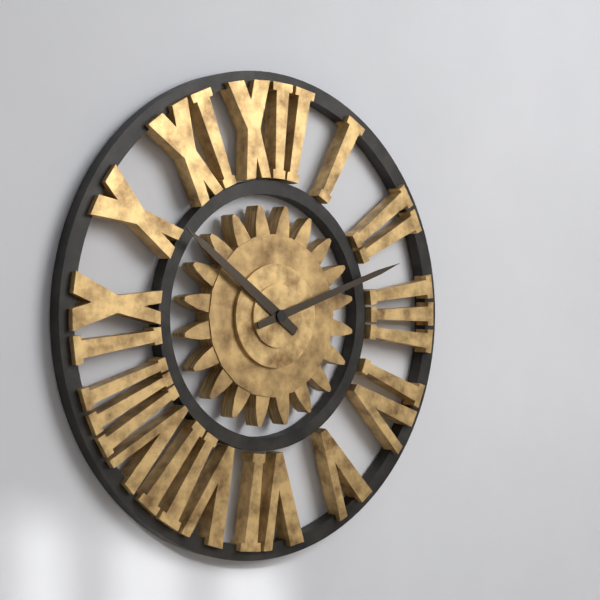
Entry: h=10 m=12
